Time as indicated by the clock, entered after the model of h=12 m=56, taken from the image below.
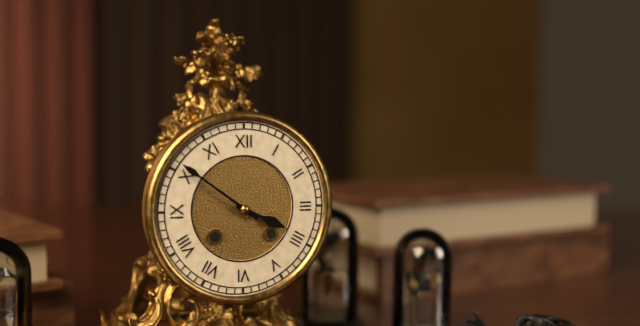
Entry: h=3 m=51
